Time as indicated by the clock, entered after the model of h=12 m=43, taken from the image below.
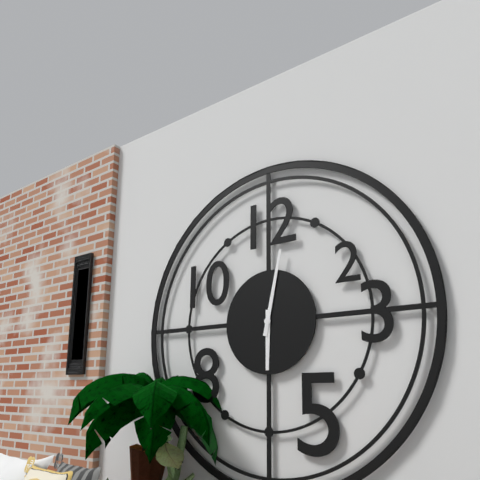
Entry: h=6 m=2
